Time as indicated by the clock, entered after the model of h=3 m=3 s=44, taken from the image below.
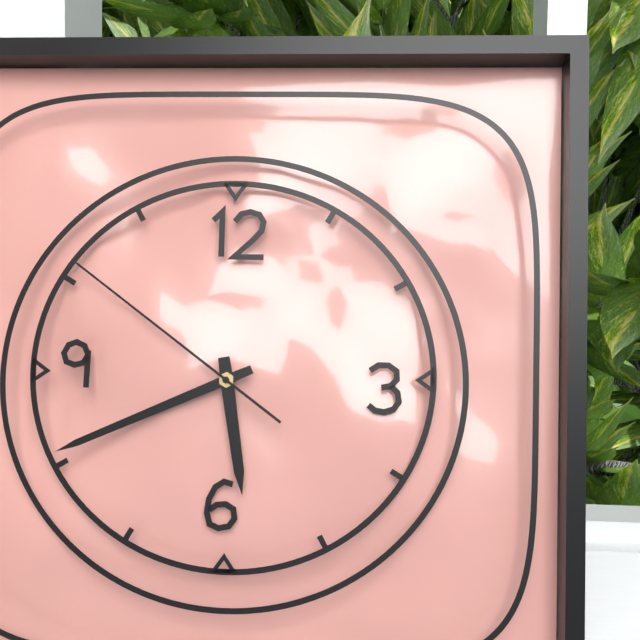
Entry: h=5 m=41 s=51
